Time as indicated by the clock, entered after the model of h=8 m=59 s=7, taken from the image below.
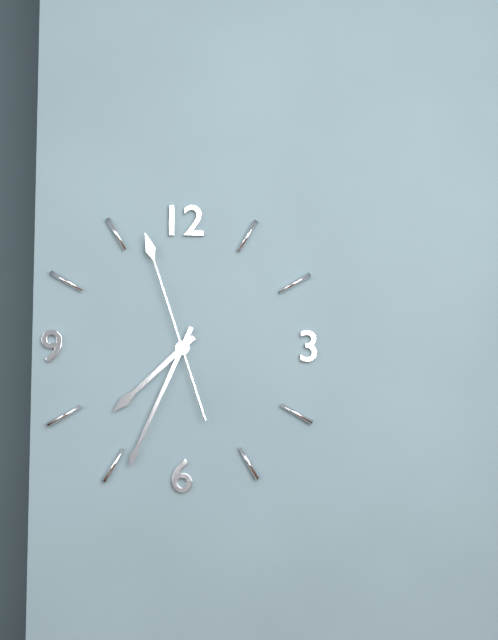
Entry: h=7 m=34 s=57
